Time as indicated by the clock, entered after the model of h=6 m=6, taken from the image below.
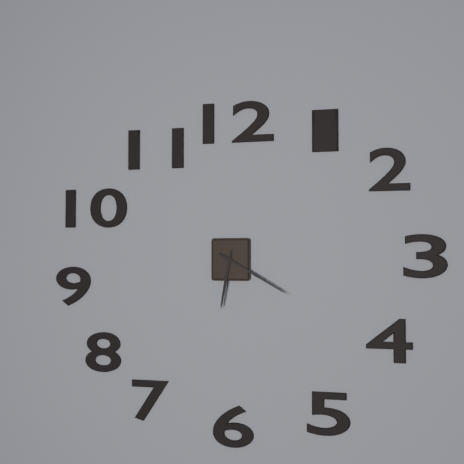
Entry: h=6 m=20
